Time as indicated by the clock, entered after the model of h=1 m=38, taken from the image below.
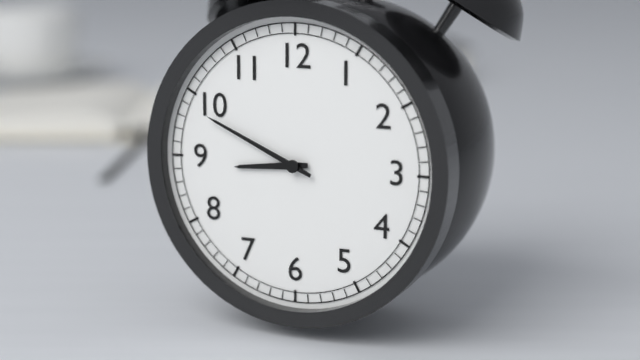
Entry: h=8 m=49
